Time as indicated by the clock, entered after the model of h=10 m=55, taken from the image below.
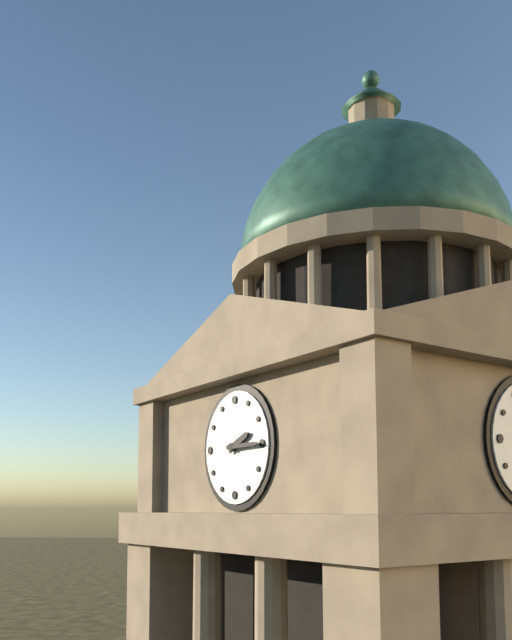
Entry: h=2 m=15
